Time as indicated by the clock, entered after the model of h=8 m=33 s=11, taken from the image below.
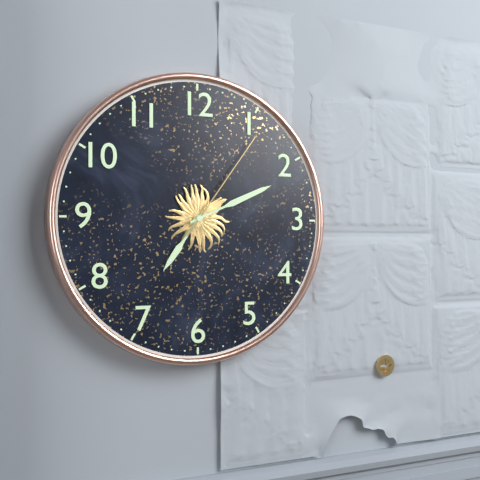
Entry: h=7 m=11 s=6
